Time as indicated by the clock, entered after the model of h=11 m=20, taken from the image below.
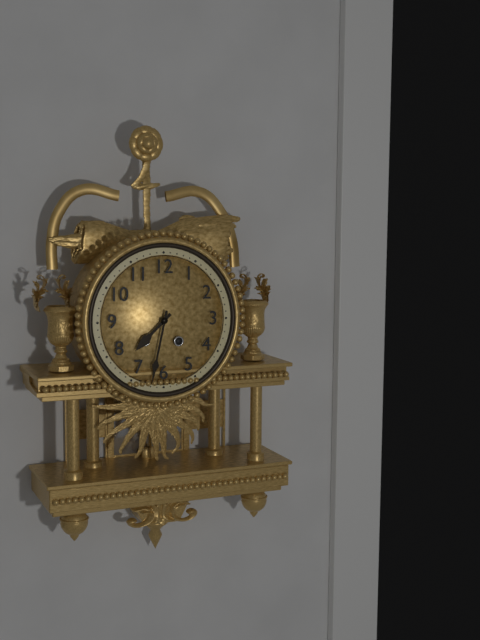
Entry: h=7 m=32
